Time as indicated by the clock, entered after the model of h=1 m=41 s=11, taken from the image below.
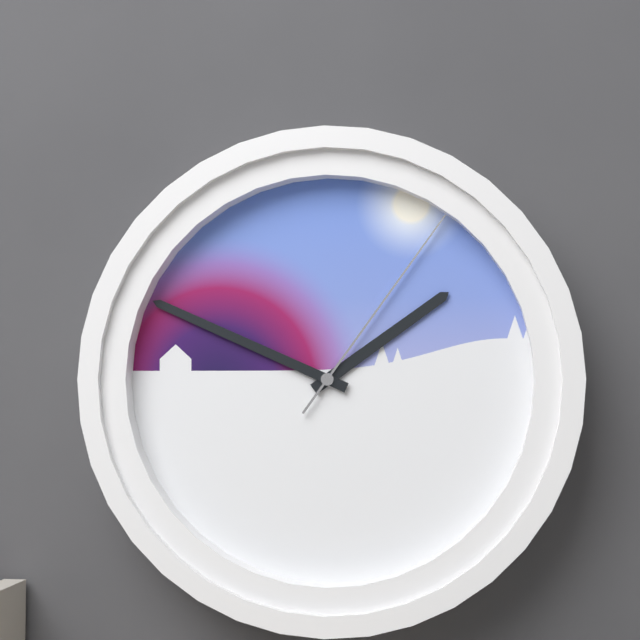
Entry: h=1 m=49 s=6
